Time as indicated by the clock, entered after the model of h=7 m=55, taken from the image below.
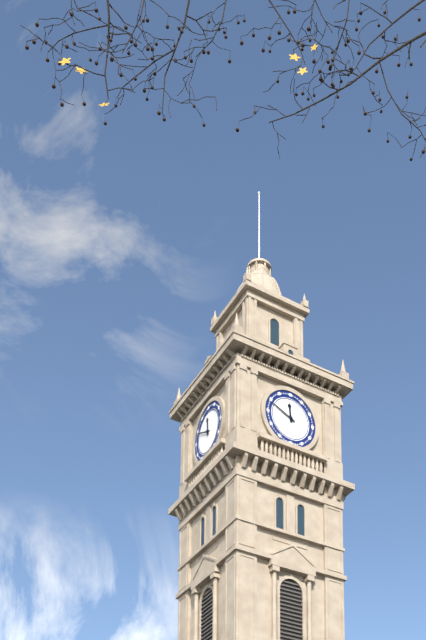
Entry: h=11 m=49
